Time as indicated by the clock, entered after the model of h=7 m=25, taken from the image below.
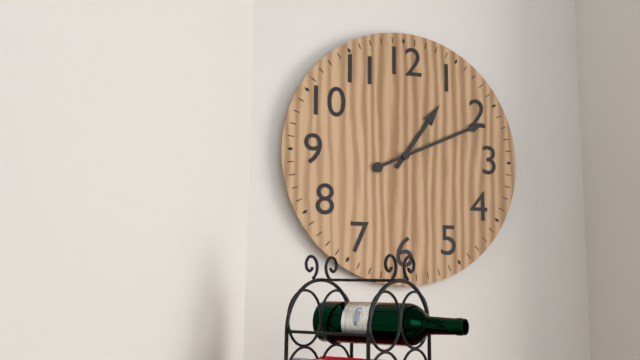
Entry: h=1 m=11
